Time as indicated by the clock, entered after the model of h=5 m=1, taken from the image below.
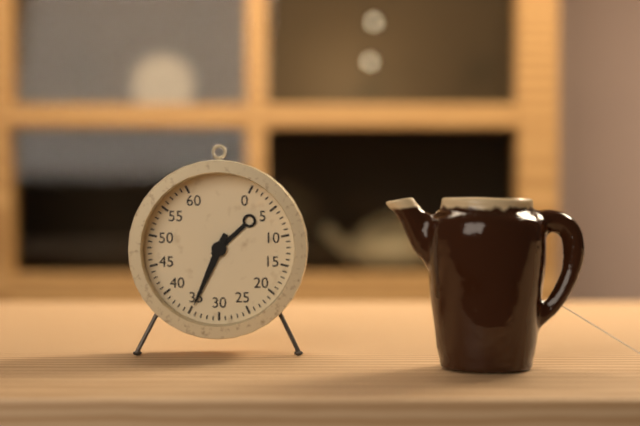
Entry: h=1 m=34
